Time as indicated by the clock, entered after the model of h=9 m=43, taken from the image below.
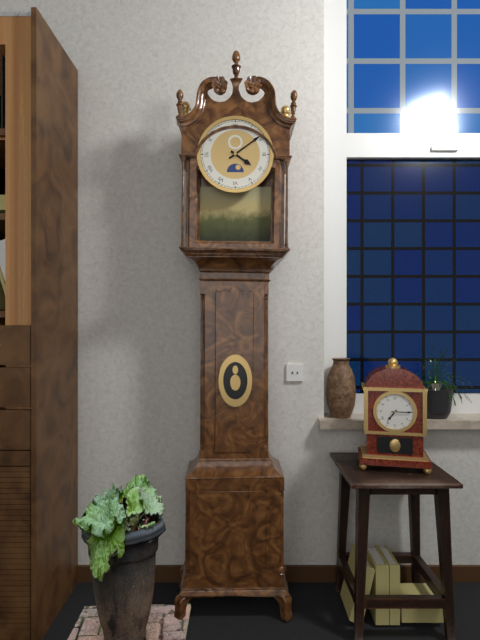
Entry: h=4 m=9
